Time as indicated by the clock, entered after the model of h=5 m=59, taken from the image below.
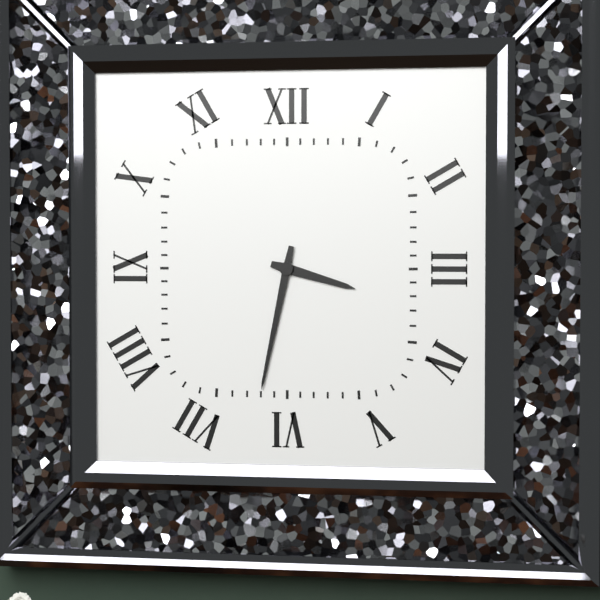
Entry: h=3 m=32
